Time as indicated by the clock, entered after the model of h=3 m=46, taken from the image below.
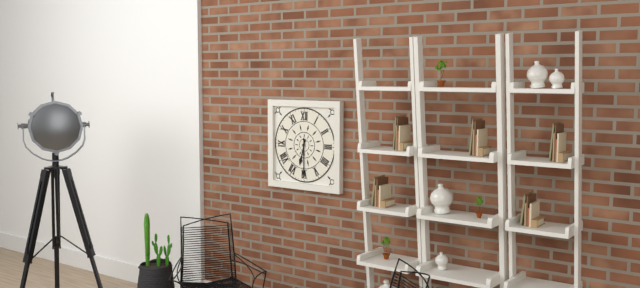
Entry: h=6 m=30
